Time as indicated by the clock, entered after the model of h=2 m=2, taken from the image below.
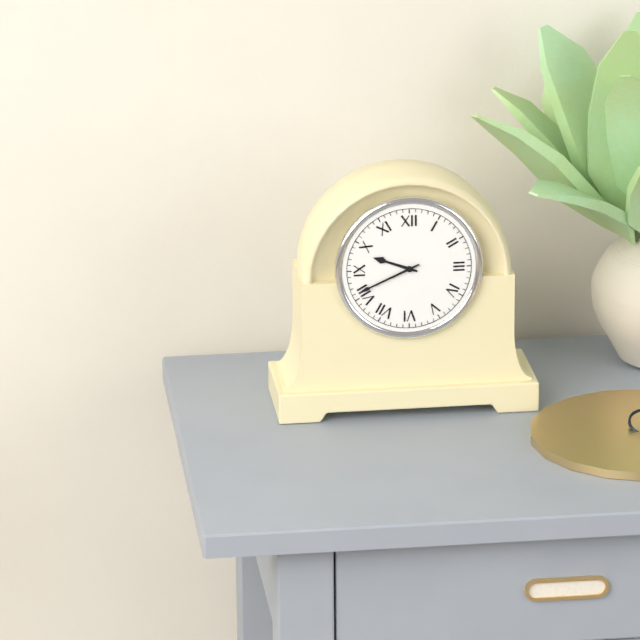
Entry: h=9 m=41
